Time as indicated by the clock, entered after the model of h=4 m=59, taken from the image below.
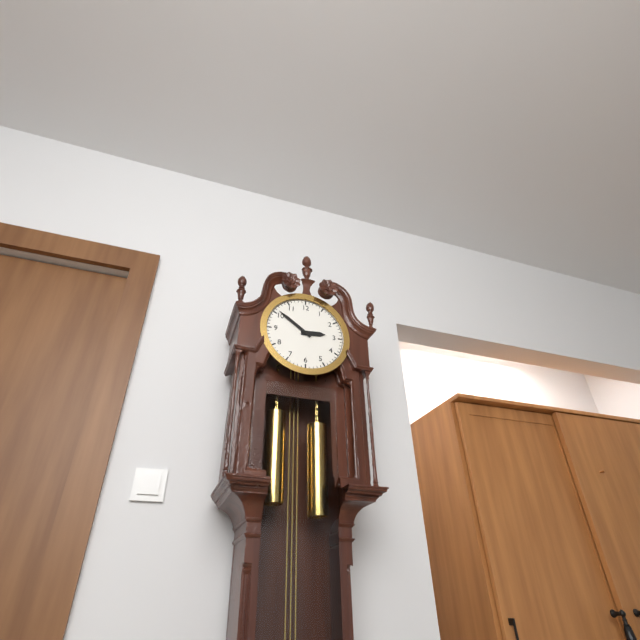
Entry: h=2 m=51
